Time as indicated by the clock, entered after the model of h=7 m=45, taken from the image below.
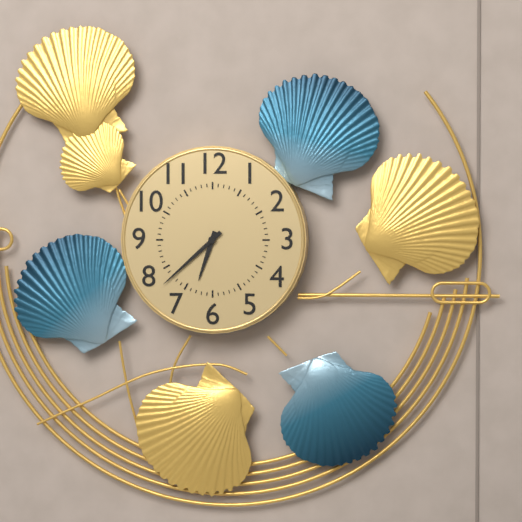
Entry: h=6 m=38
